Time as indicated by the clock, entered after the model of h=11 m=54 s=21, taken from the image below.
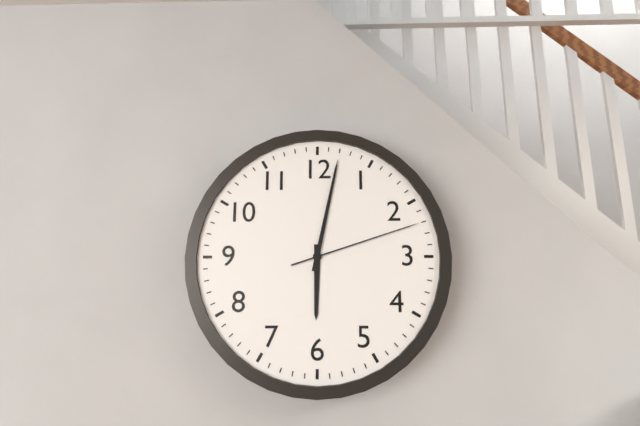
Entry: h=6 m=2 s=12
